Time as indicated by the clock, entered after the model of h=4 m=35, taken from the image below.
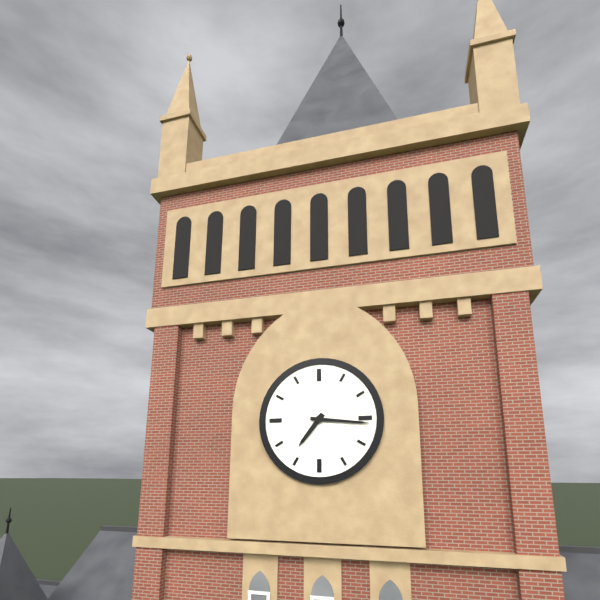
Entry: h=7 m=16
